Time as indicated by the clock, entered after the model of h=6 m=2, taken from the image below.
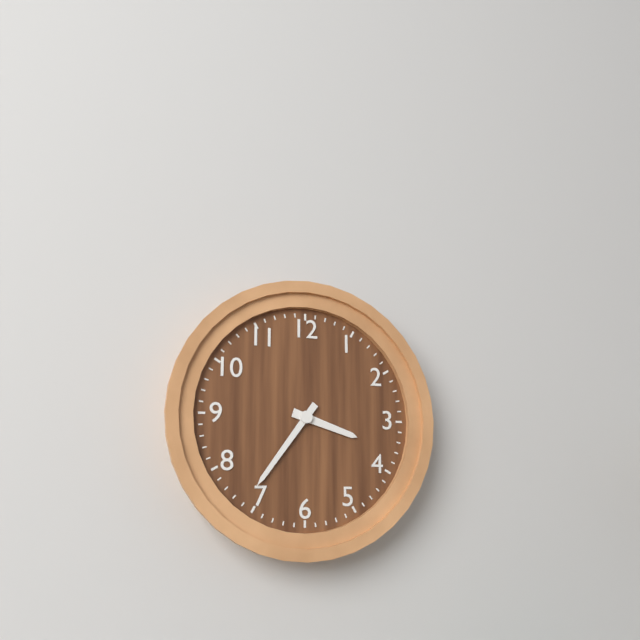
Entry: h=3 m=36
